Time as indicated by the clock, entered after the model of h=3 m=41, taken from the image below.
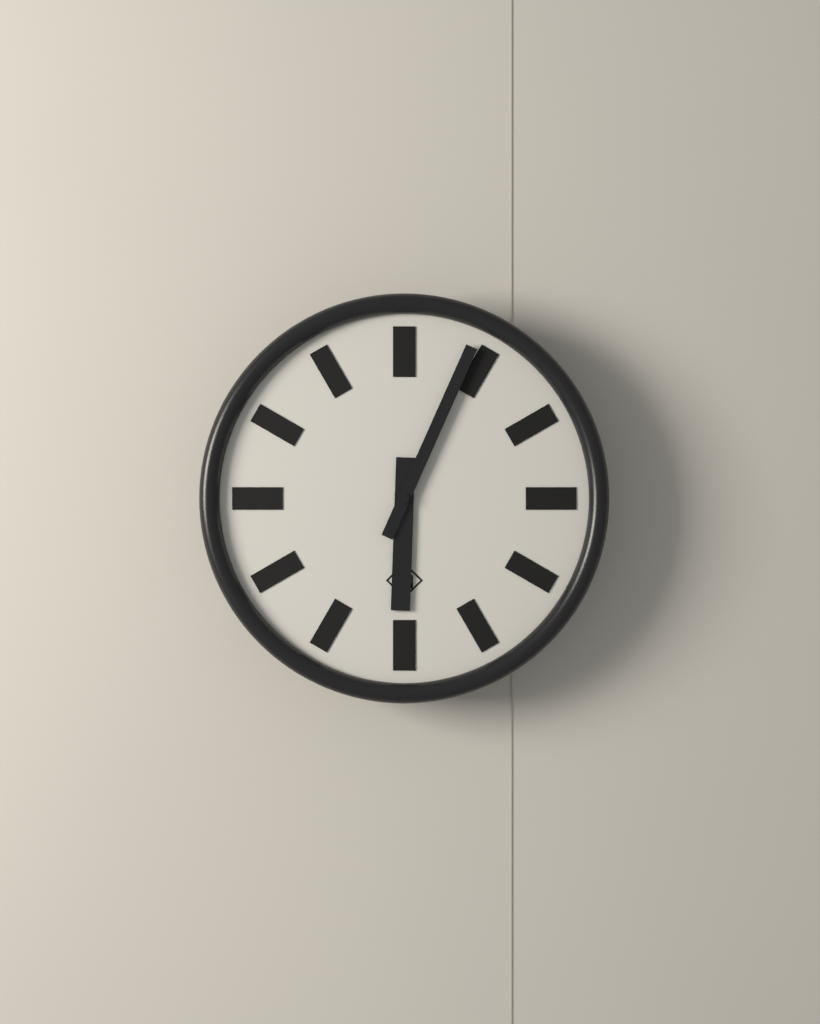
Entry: h=6 m=4
